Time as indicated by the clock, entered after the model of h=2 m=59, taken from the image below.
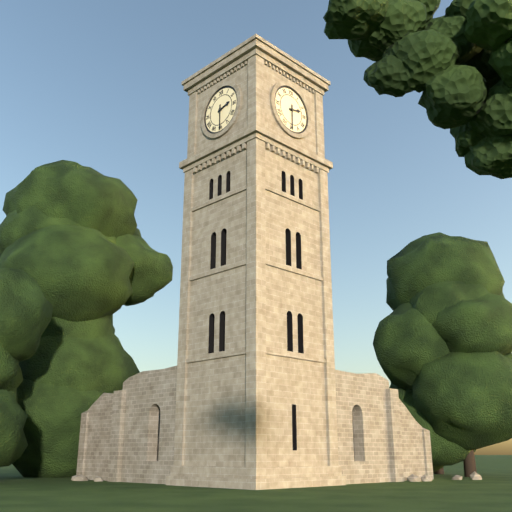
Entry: h=2 m=30
